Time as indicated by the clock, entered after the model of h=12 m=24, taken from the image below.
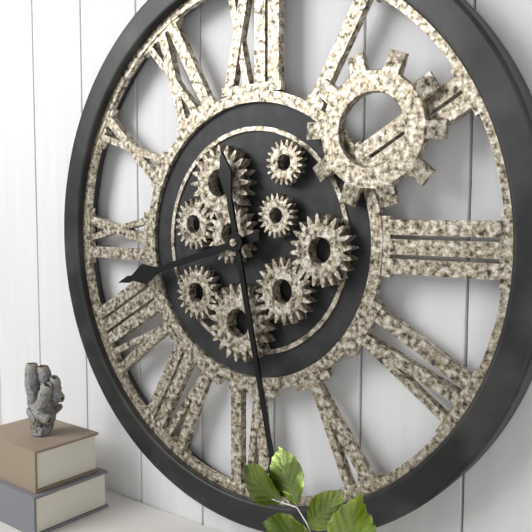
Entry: h=8 m=28
